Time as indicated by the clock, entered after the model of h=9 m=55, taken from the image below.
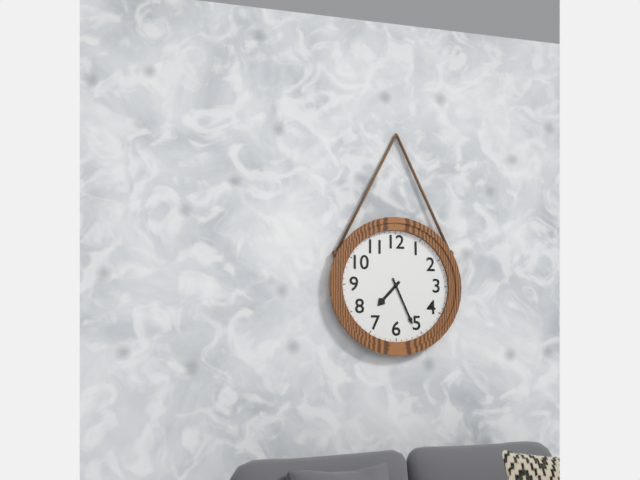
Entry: h=7 m=26
